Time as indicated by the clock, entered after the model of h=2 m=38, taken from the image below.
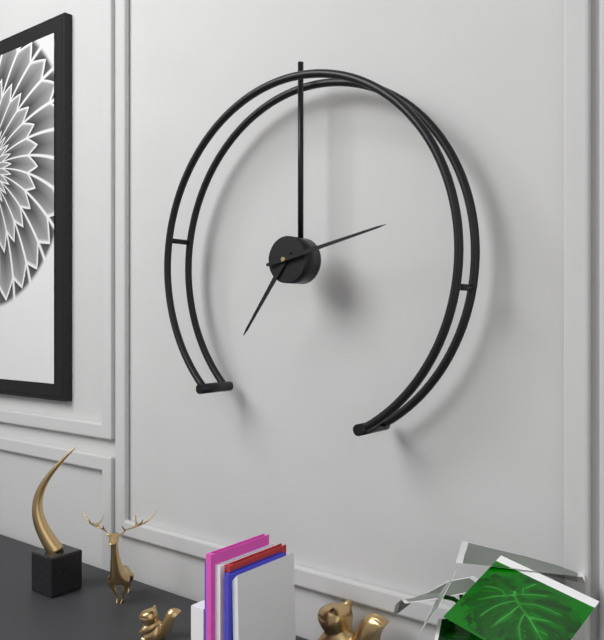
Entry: h=7 m=13
